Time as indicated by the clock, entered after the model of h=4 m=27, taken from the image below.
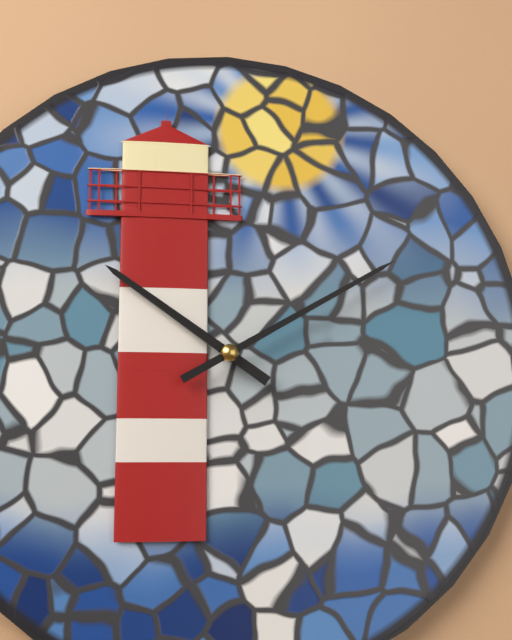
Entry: h=10 m=10
